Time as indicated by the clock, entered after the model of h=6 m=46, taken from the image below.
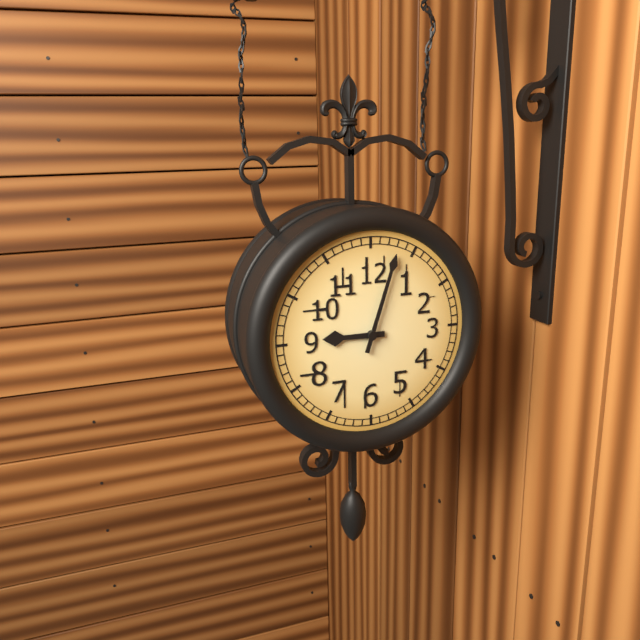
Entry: h=9 m=3
